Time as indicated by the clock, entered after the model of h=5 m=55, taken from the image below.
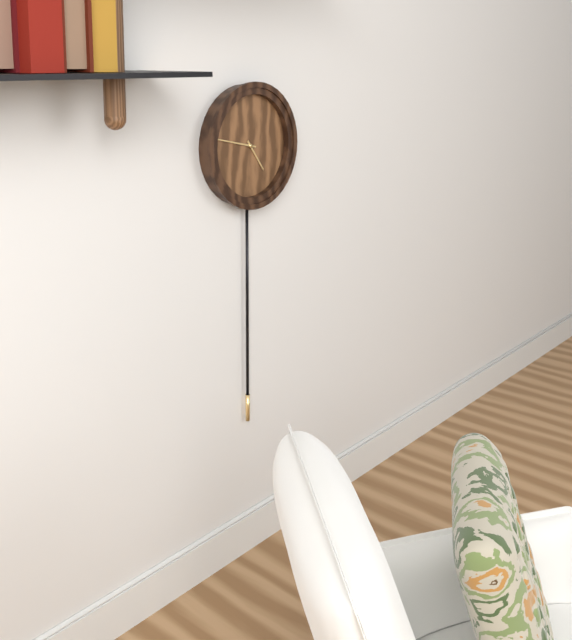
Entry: h=4 m=47
